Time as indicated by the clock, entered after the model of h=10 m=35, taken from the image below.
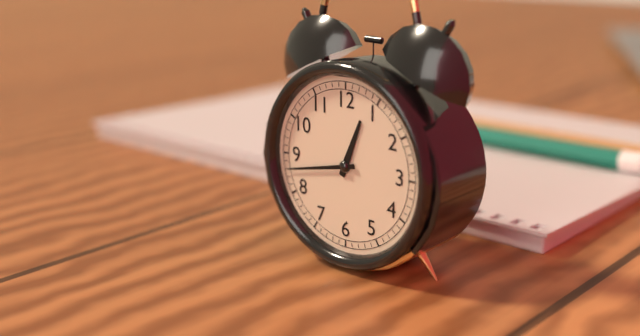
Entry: h=12 m=43
